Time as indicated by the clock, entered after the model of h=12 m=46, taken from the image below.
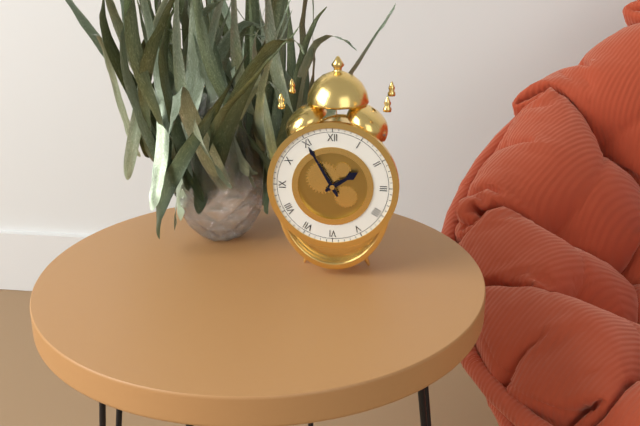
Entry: h=1 m=55
